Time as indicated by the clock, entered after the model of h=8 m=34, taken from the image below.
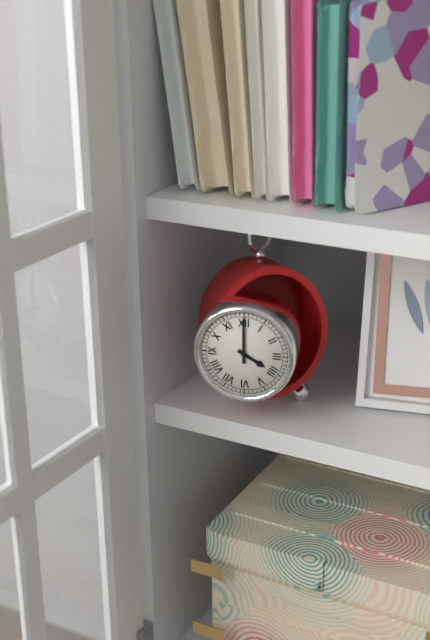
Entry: h=4 m=0
